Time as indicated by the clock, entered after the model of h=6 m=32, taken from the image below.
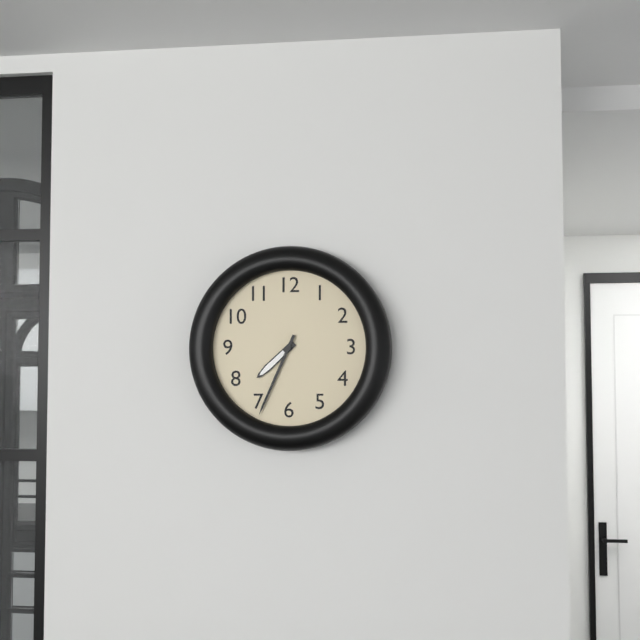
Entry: h=7 m=34
